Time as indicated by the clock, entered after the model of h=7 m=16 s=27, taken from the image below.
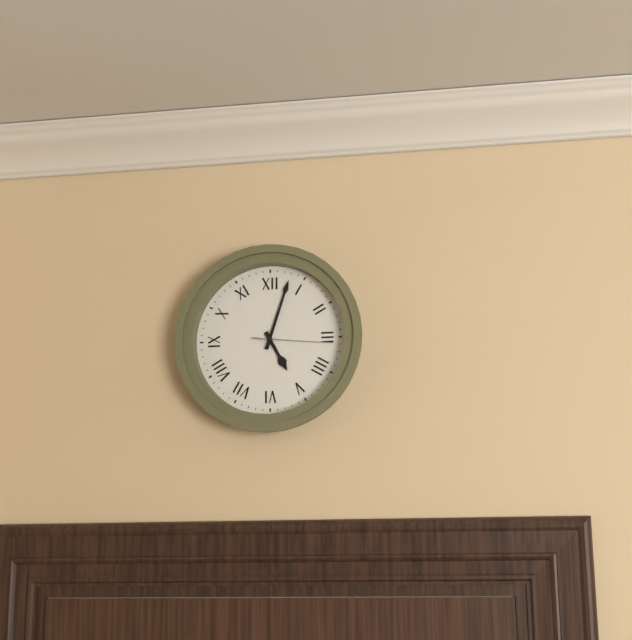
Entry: h=5 m=3 s=16
